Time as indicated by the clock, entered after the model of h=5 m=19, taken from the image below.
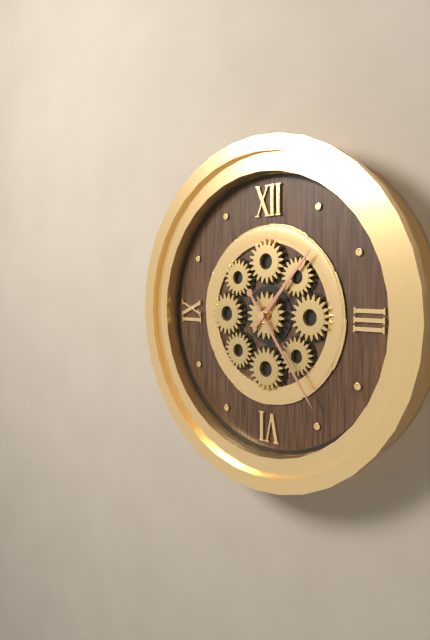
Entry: h=1 m=24
